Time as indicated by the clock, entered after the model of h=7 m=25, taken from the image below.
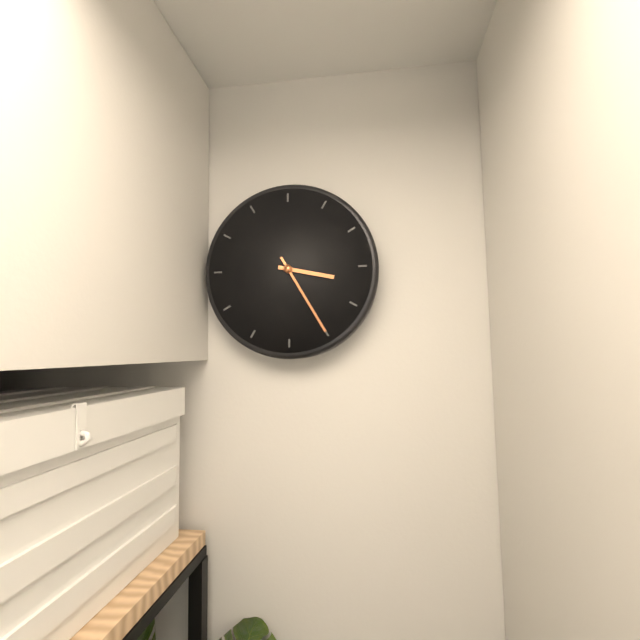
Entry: h=3 m=25
